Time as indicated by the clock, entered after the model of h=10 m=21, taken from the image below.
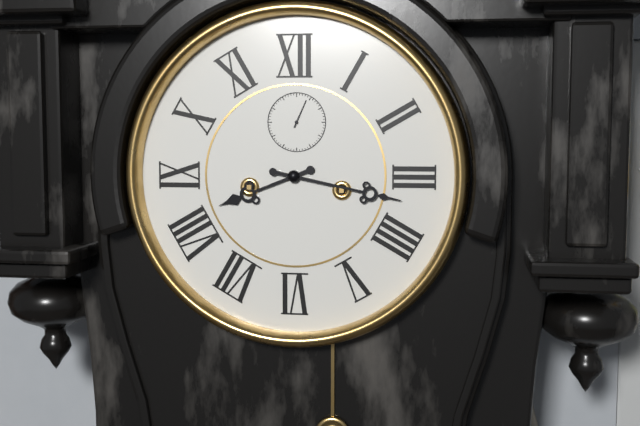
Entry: h=8 m=17
